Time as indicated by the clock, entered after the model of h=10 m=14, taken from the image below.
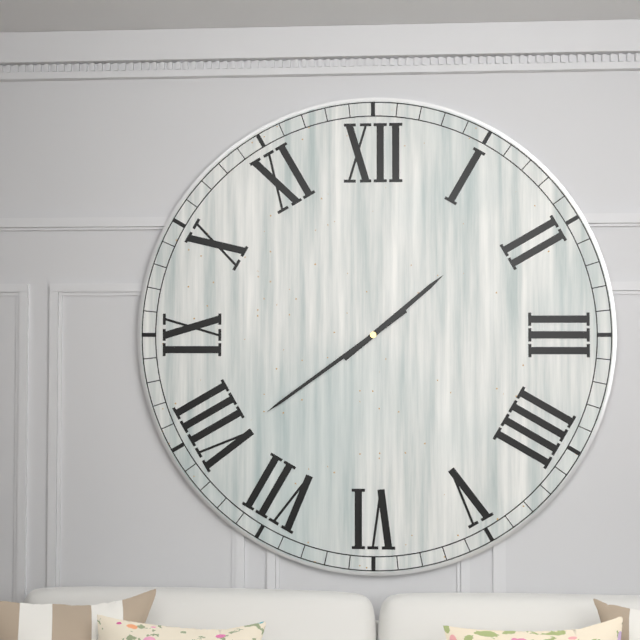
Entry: h=1 m=39
